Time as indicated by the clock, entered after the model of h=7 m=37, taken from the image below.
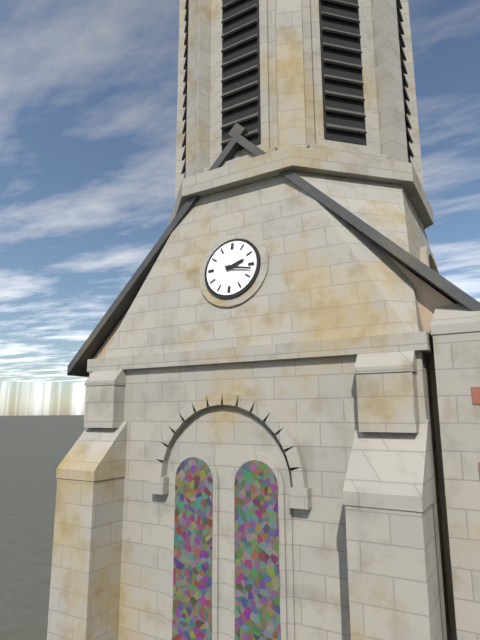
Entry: h=2 m=17
